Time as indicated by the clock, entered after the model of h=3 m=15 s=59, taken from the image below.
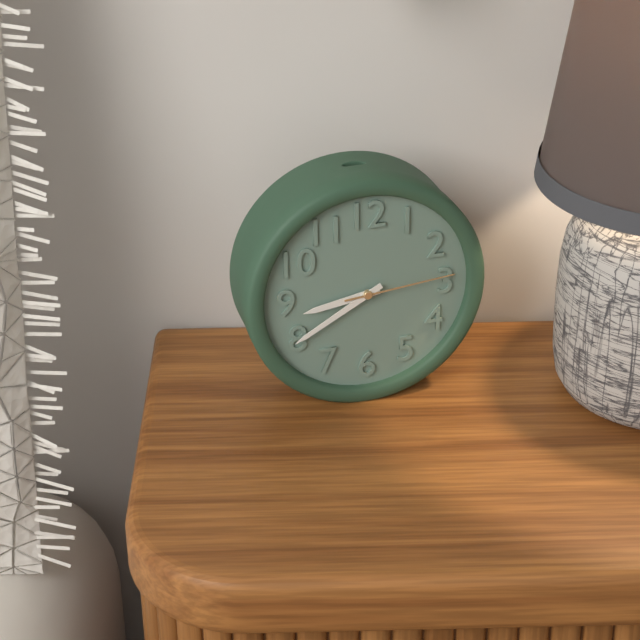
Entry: h=8 m=40 s=14
